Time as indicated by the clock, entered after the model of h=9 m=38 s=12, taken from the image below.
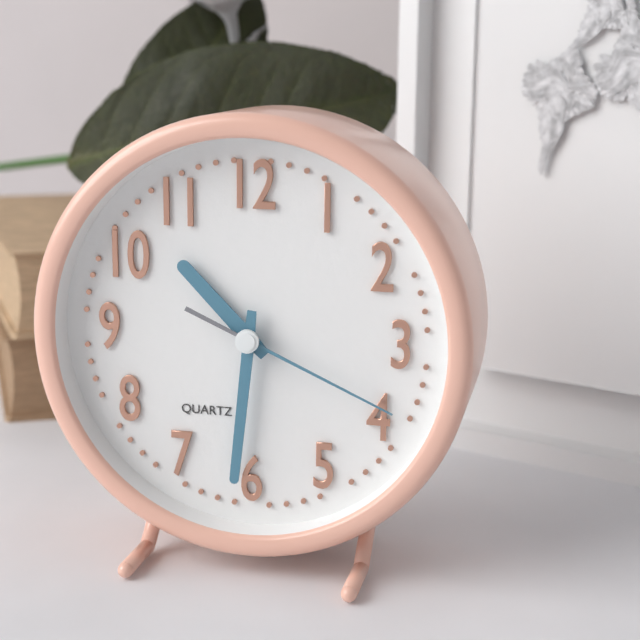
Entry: h=10 m=31 s=19
